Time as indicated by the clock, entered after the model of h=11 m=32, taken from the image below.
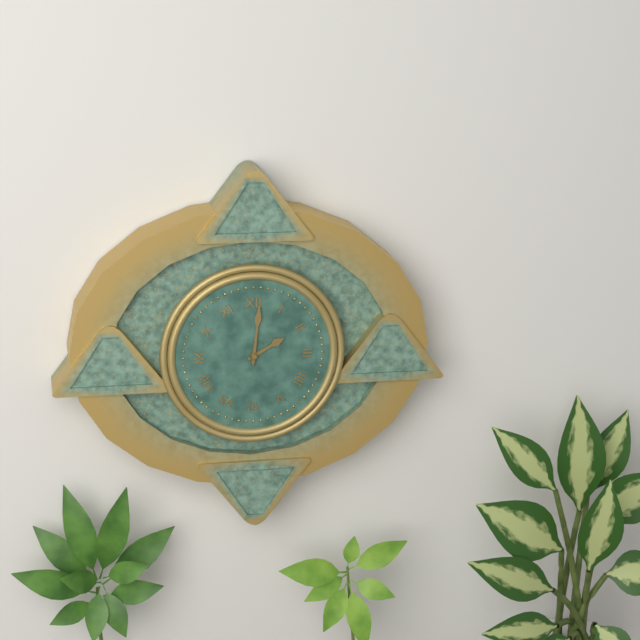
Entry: h=2 m=1
